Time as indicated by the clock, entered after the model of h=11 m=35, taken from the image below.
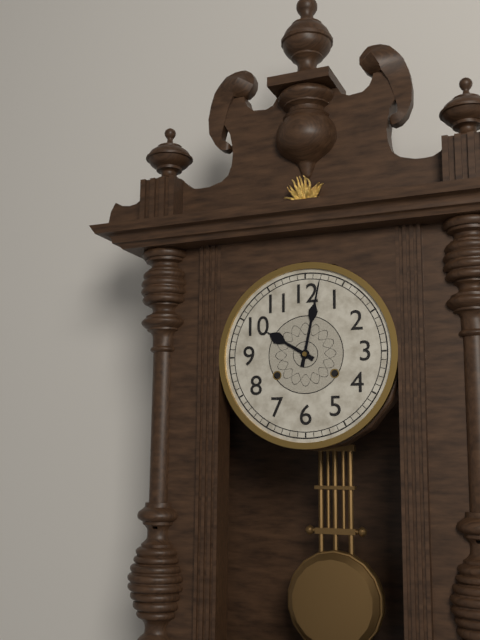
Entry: h=10 m=2
